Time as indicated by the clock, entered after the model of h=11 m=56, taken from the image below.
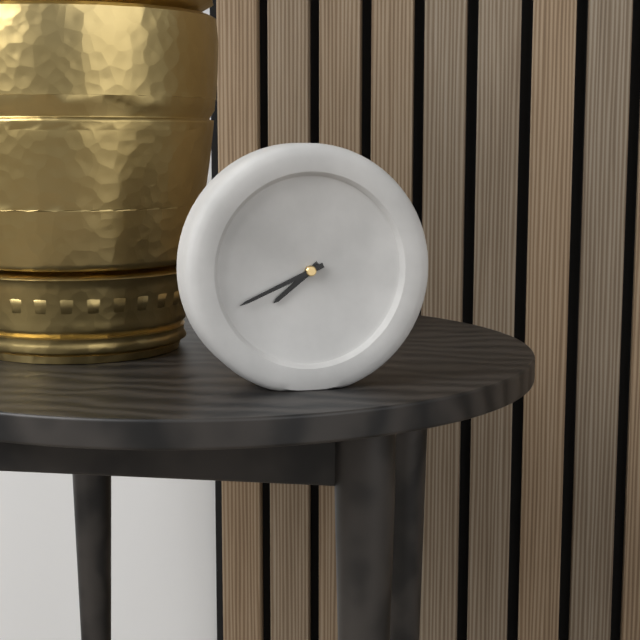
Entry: h=7 m=41
